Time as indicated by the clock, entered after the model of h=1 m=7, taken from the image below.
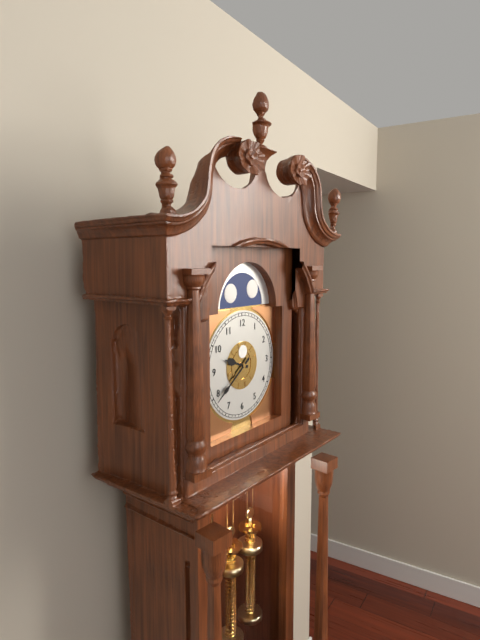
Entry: h=9 m=39
